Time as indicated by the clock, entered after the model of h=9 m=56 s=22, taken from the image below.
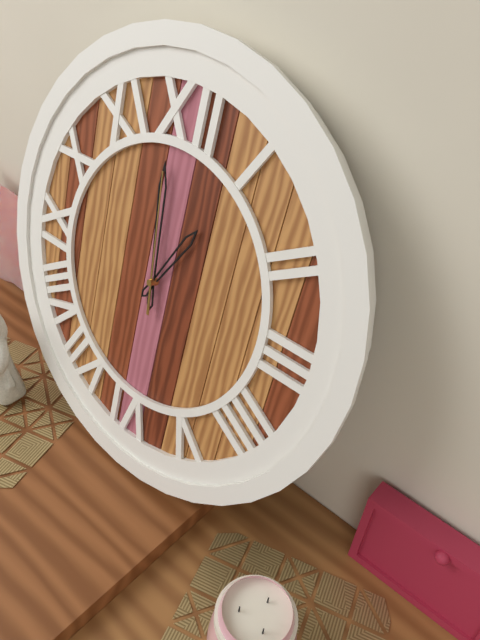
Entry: h=12 m=59 s=59
